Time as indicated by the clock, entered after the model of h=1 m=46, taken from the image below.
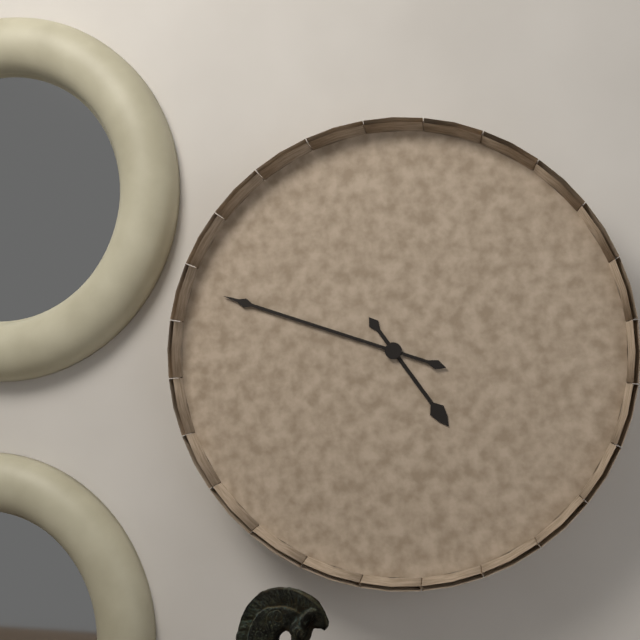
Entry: h=4 m=48
